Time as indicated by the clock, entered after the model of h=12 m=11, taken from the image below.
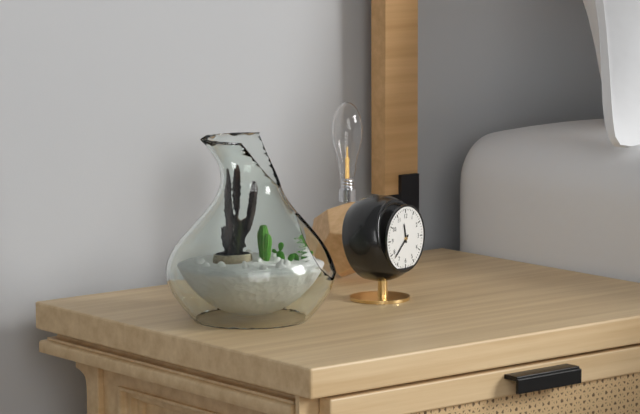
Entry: h=11 m=38
